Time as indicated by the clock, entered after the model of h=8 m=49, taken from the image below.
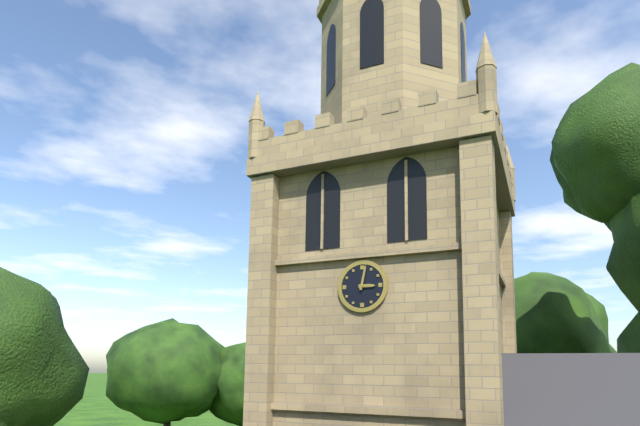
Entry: h=3 m=2
